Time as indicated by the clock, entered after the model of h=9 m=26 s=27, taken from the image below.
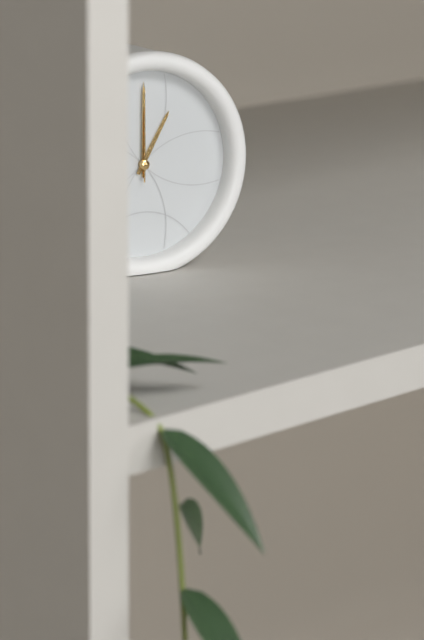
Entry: h=1 m=0 s=0
